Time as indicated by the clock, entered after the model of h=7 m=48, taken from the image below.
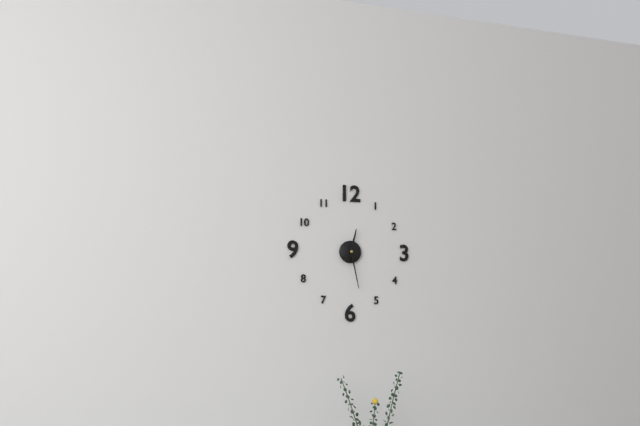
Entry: h=12 m=28
